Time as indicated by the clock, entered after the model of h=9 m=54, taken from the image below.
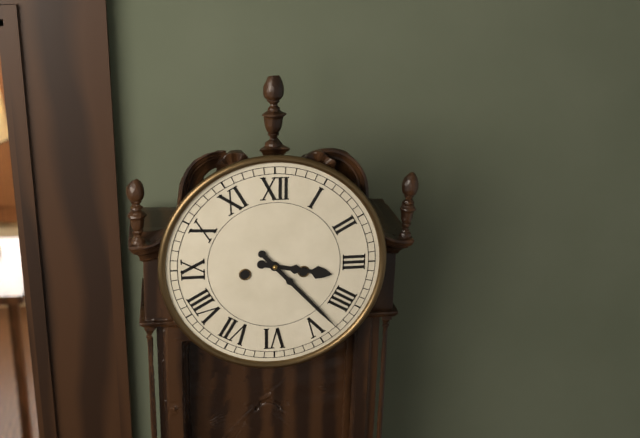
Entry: h=3 m=23
